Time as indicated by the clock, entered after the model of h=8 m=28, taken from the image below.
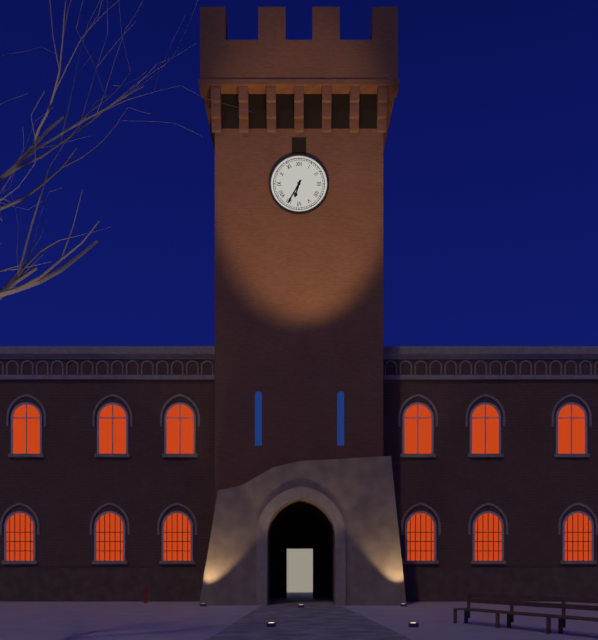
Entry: h=6 m=35
